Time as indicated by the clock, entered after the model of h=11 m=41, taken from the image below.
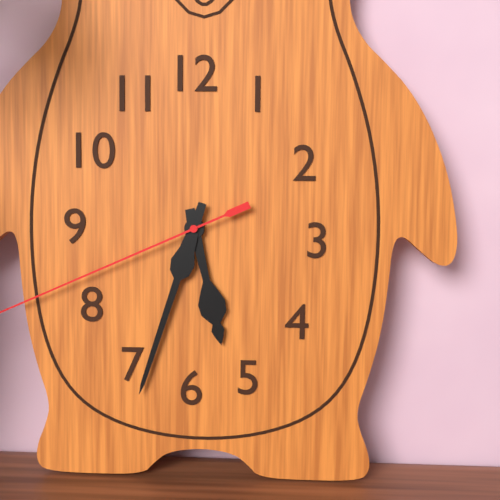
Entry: h=5 m=33
